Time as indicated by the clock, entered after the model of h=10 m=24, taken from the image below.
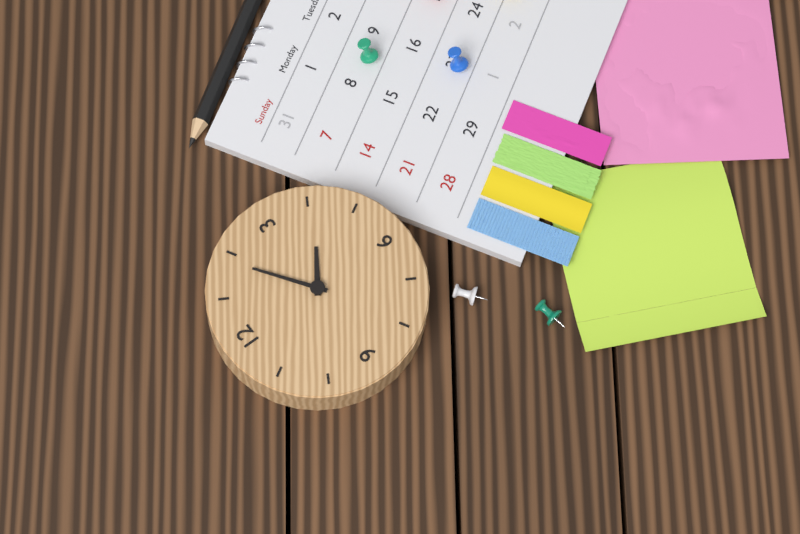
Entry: h=4 m=9
